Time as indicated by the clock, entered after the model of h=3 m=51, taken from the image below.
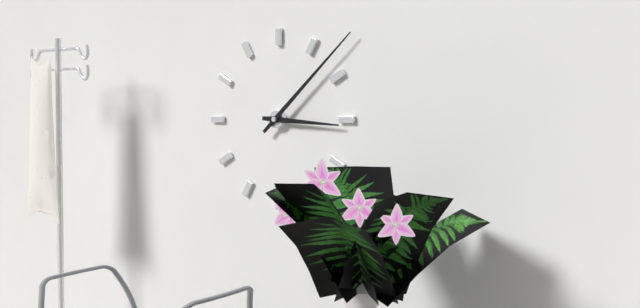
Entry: h=3 m=8
